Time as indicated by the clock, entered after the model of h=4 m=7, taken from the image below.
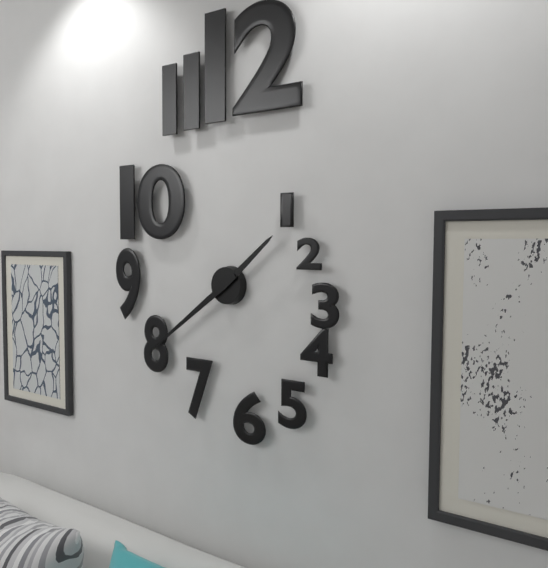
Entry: h=1 m=39
